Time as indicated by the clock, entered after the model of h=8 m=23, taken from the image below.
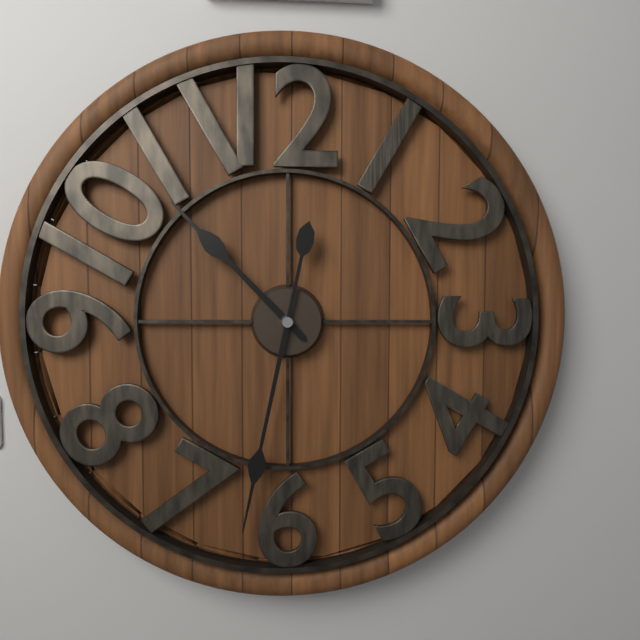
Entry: h=10 m=32
